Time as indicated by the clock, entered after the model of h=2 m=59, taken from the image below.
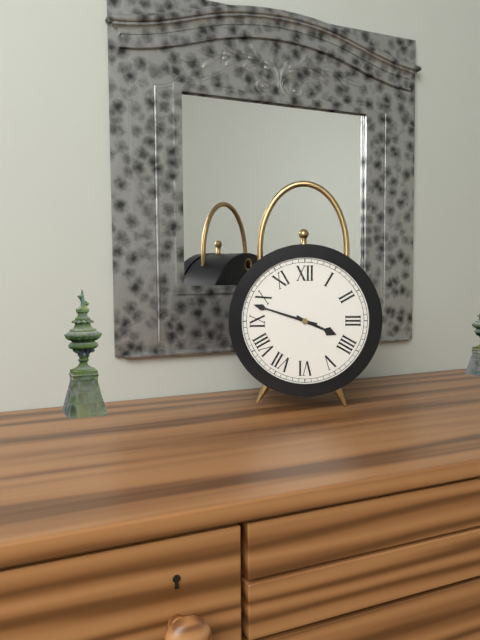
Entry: h=3 m=48
